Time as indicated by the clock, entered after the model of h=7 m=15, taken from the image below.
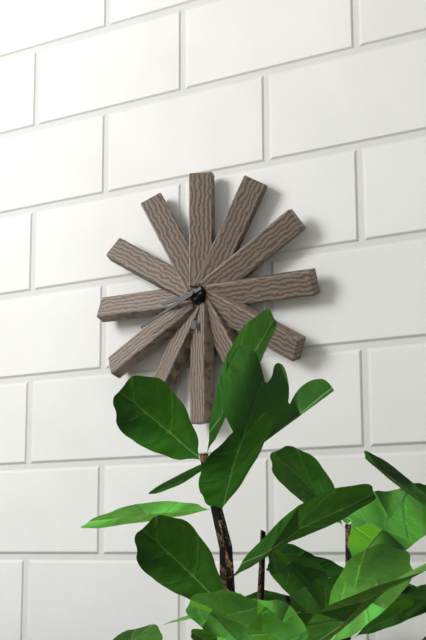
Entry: h=8 m=41
